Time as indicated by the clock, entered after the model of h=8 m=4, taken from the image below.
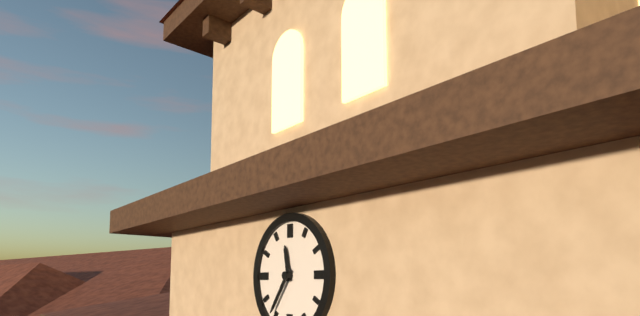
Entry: h=11 m=36
